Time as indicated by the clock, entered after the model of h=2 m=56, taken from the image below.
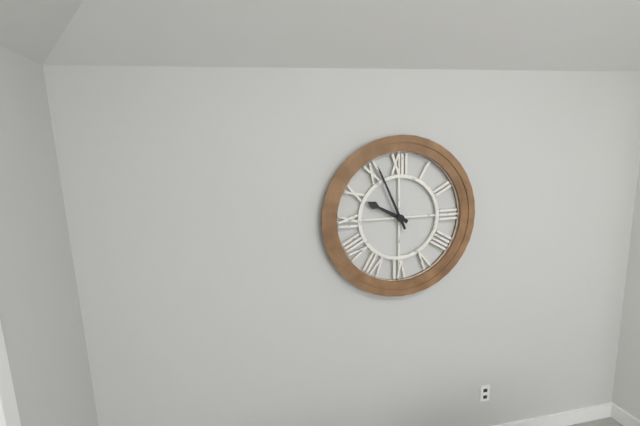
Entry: h=9 m=56
